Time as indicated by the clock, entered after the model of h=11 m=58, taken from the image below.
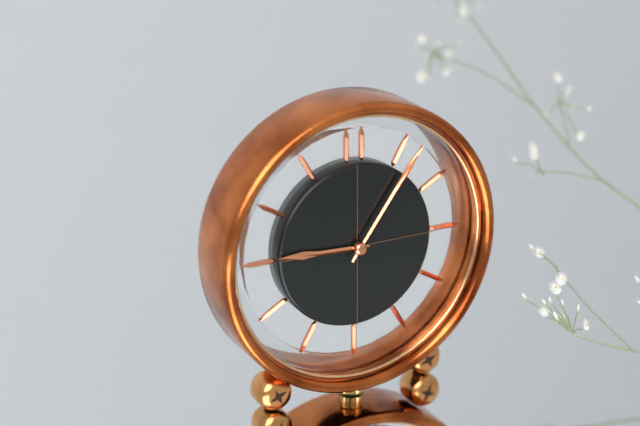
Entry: h=9 m=6
